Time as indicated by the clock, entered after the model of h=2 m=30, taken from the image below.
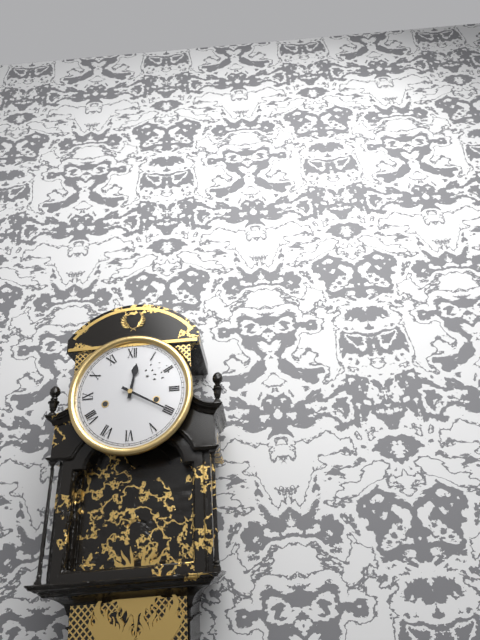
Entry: h=12 m=20
